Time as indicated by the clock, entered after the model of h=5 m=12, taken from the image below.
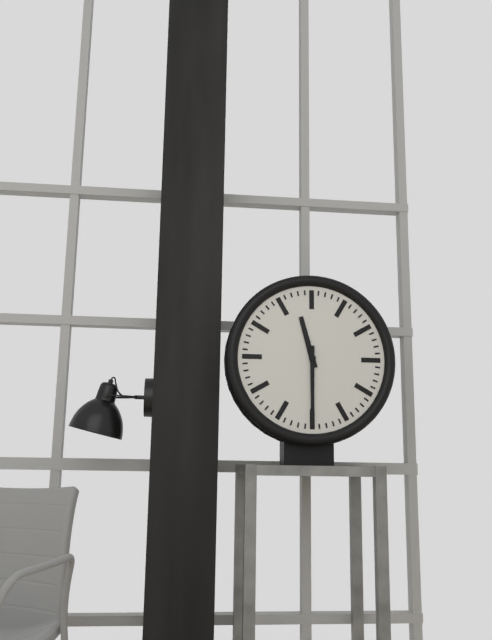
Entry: h=11 m=30
